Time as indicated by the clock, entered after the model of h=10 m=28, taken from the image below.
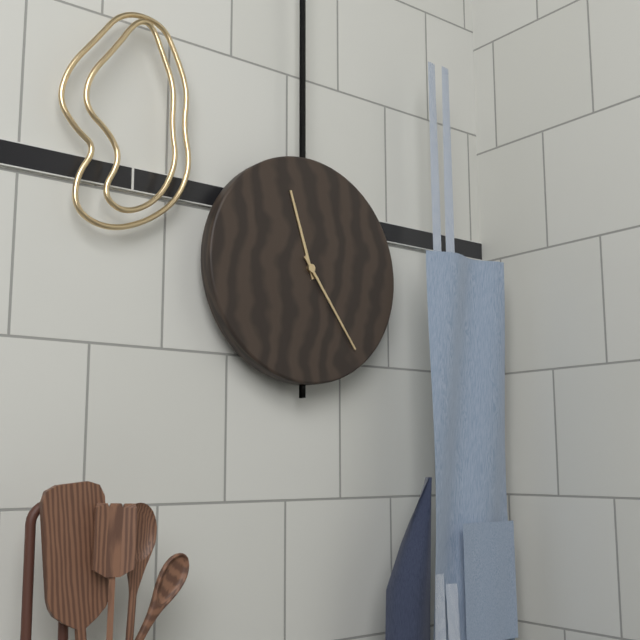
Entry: h=11 m=24
